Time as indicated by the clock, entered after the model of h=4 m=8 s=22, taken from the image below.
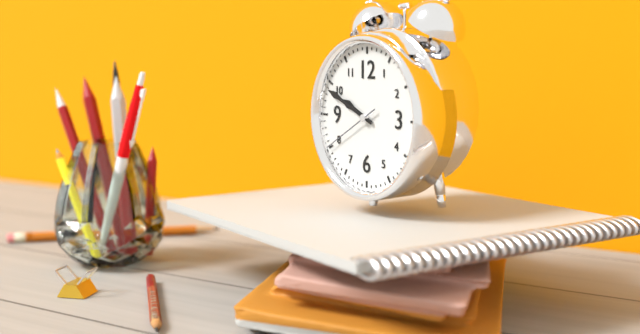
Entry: h=9 m=49 s=40
